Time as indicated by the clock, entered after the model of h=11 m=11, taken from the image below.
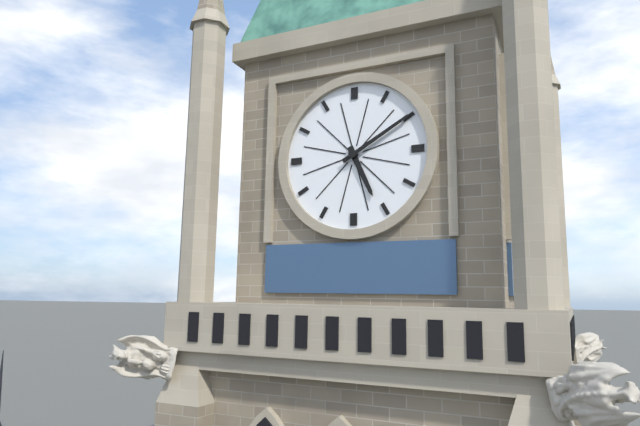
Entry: h=5 m=10
